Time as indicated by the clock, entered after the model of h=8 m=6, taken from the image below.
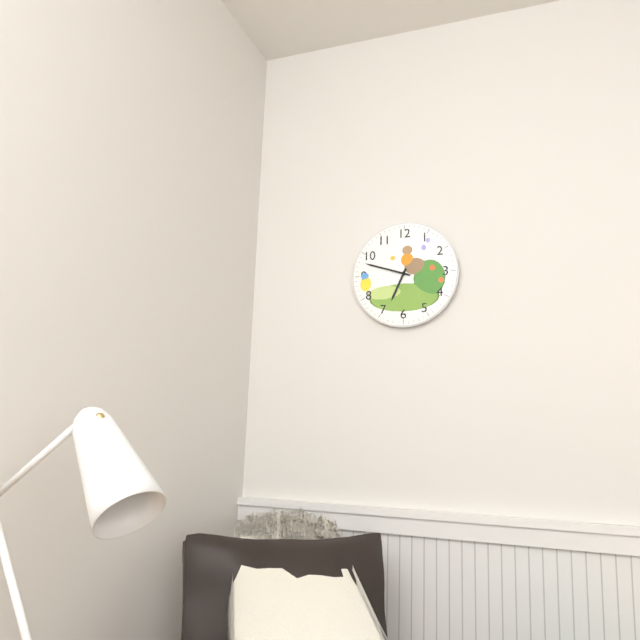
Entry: h=6 m=48
